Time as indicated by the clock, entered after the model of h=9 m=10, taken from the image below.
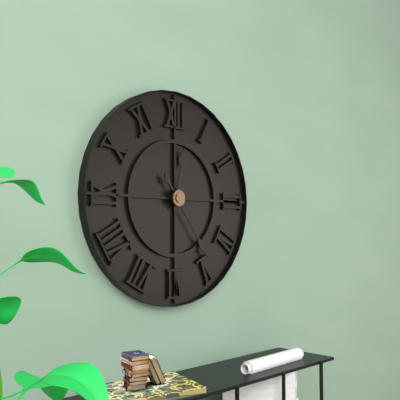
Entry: h=12 m=24
